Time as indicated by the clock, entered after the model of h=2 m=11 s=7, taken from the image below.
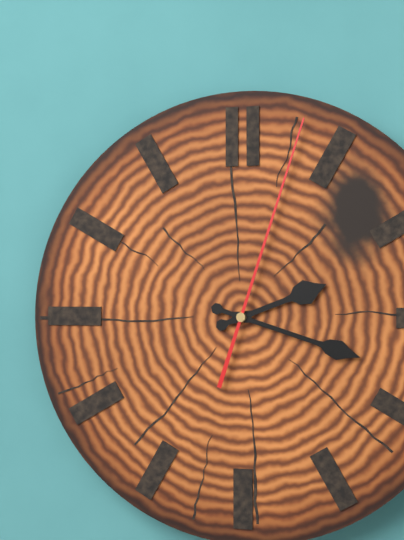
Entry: h=2 m=18 s=3
